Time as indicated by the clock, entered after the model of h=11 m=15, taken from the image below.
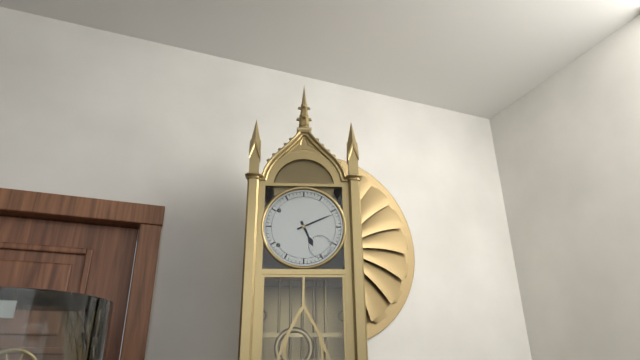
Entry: h=5 m=11
